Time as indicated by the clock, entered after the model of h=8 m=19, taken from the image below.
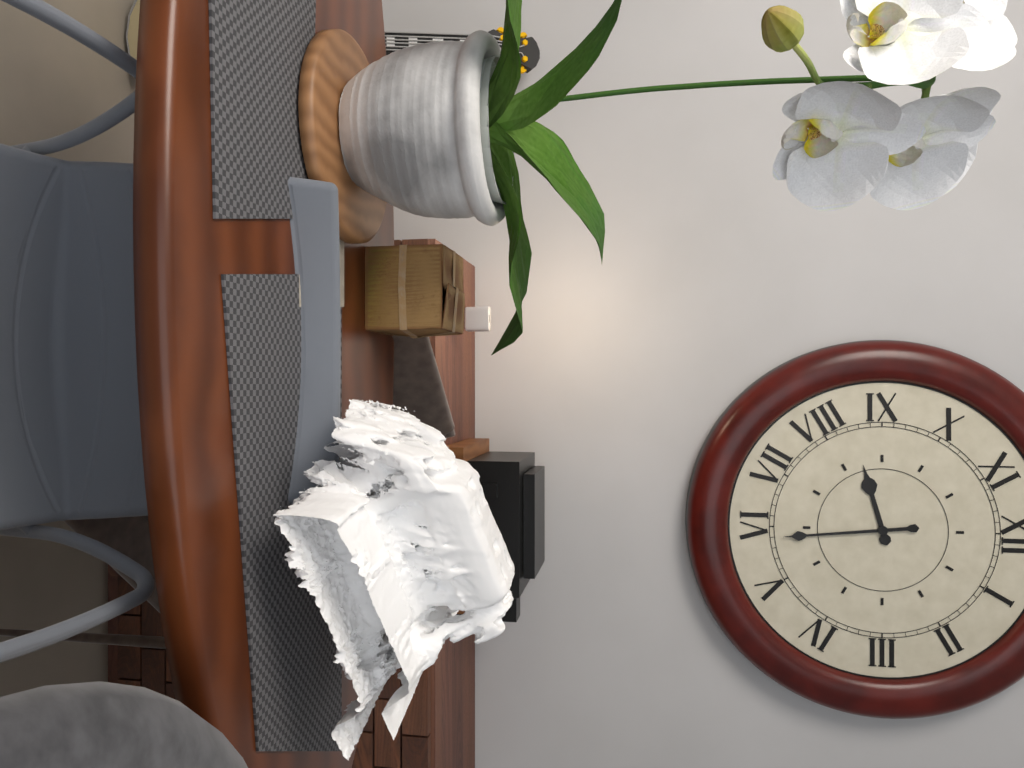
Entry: h=8 m=29
